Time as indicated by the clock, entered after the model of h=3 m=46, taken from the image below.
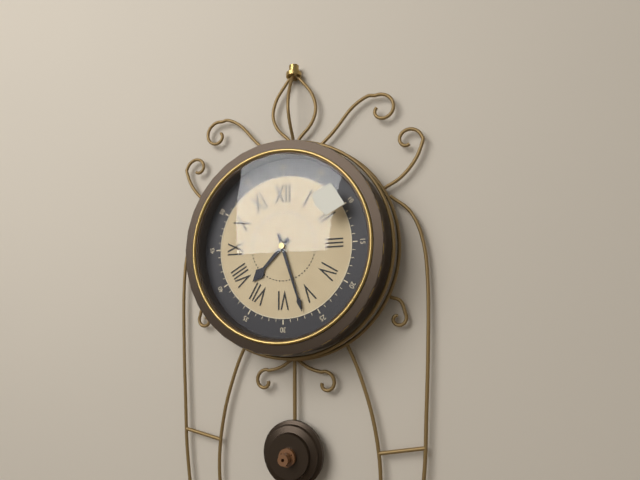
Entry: h=7 m=27
